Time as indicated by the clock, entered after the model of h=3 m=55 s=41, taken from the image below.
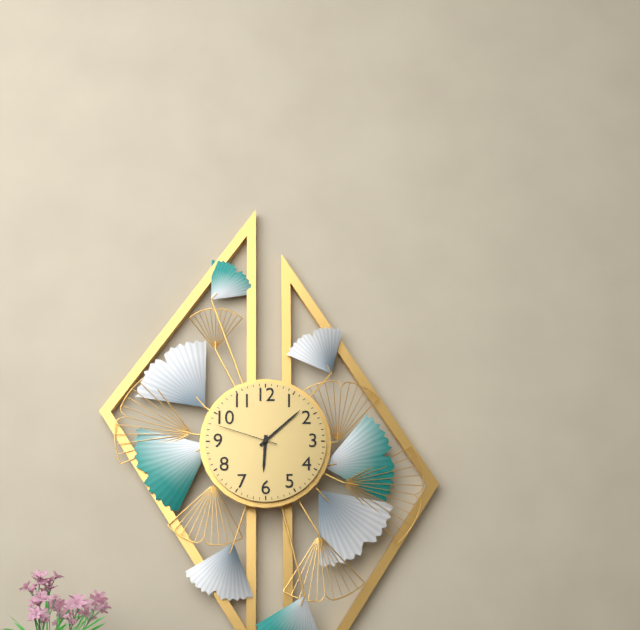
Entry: h=6 m=8 s=48
